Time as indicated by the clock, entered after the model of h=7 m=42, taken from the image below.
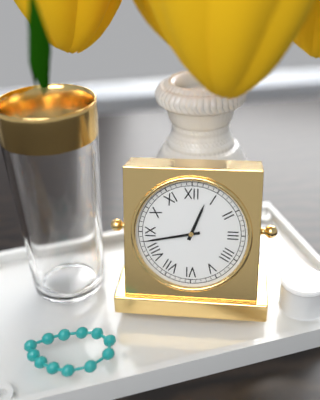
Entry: h=12 m=43
